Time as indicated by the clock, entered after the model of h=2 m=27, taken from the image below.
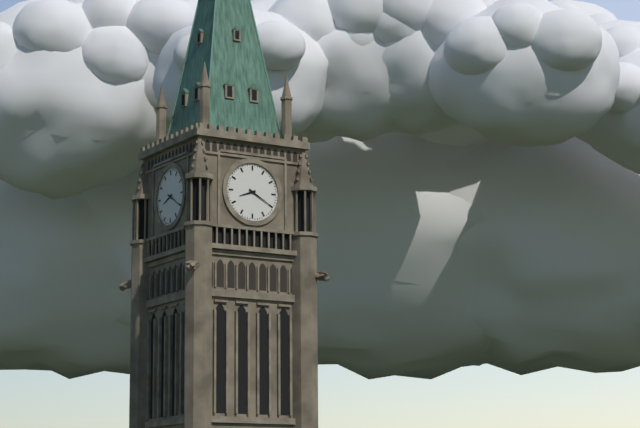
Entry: h=8 m=20
